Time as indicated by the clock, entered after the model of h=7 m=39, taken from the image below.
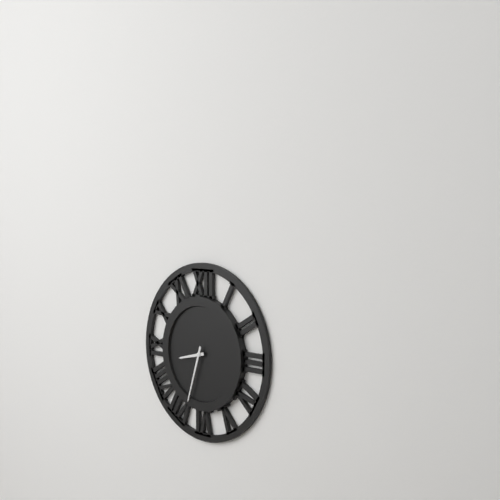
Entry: h=8 m=33
